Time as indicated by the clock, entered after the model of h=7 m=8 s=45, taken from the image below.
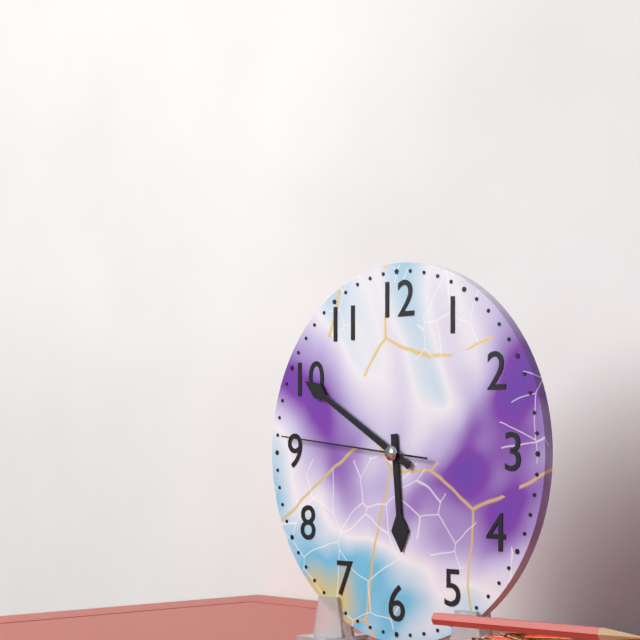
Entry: h=5 m=50 s=46
